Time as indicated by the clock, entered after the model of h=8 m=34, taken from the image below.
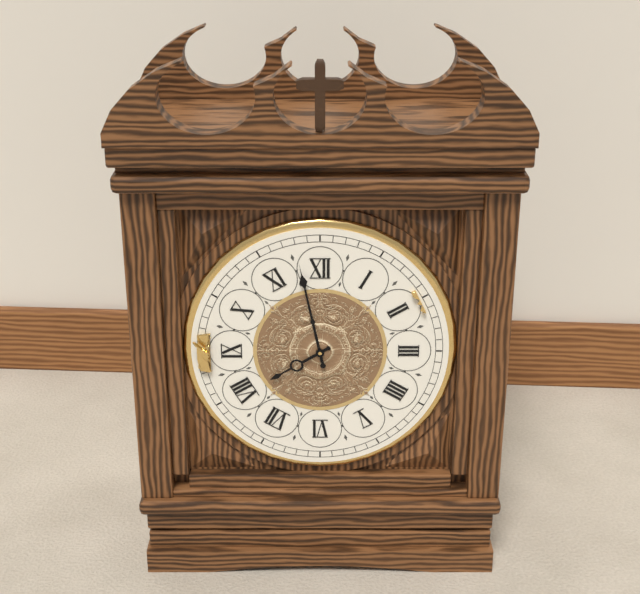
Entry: h=7 m=58
